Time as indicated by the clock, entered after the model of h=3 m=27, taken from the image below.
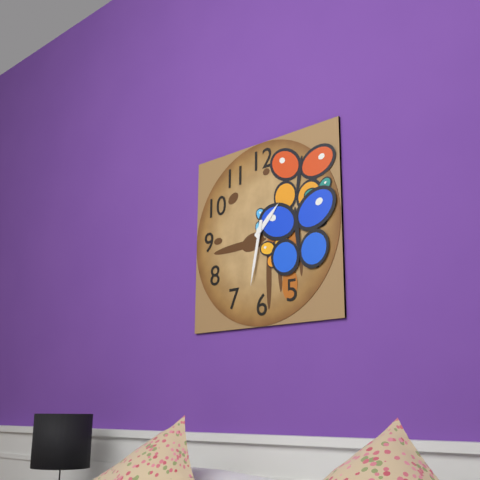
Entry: h=1 m=32
